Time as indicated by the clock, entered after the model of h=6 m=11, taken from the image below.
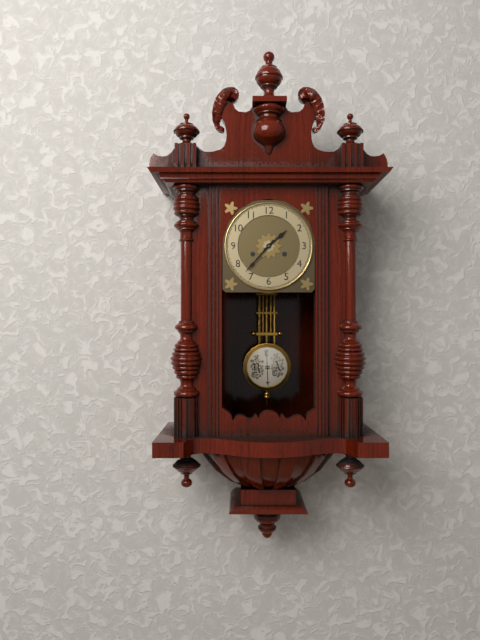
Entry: h=1 m=37
